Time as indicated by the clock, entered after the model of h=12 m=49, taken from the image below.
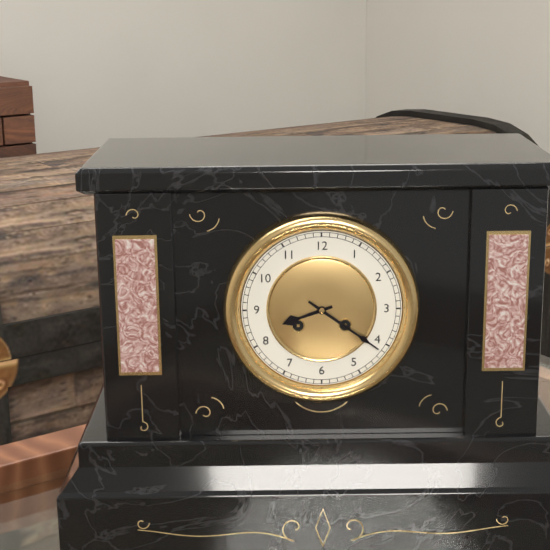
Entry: h=8 m=21
